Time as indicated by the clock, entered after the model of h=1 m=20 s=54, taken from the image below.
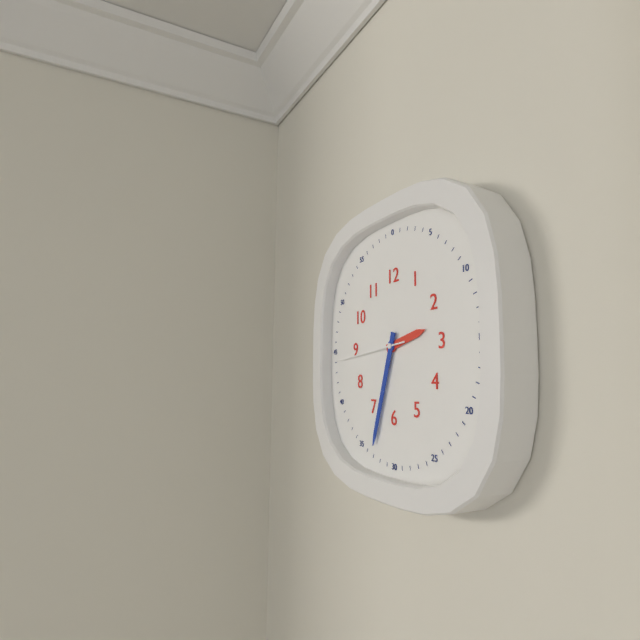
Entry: h=2 m=33 s=44
